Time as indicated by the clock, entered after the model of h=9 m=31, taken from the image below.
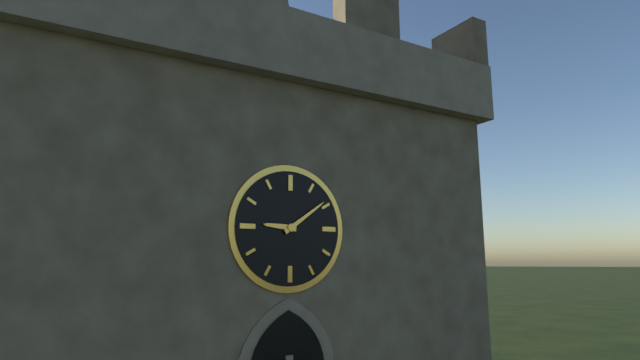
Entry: h=9 m=9
